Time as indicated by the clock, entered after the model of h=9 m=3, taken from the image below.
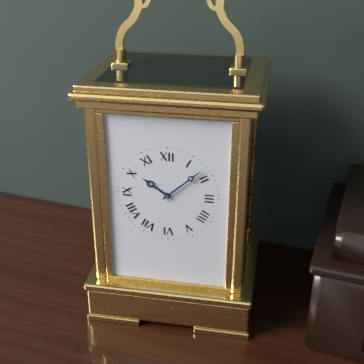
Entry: h=10 m=8
